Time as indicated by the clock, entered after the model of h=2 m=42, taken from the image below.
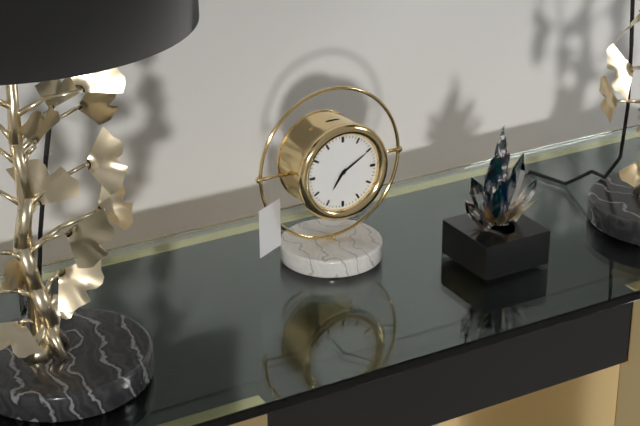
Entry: h=7 m=10
